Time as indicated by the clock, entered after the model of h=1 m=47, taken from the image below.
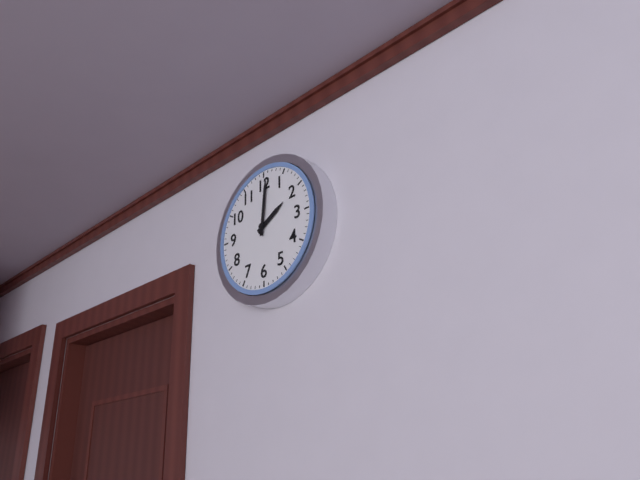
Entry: h=2 m=1
